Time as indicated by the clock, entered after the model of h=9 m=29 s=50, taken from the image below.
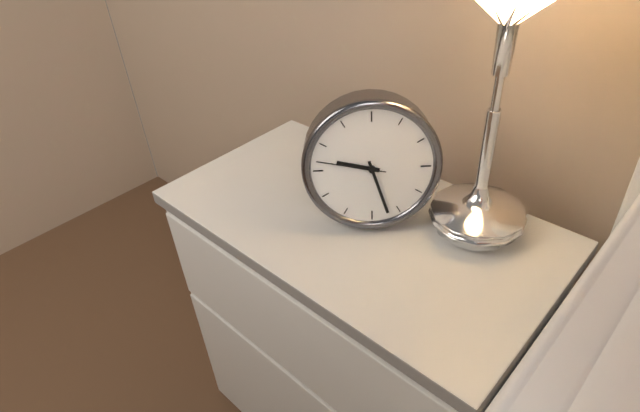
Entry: h=9 m=27 s=47
